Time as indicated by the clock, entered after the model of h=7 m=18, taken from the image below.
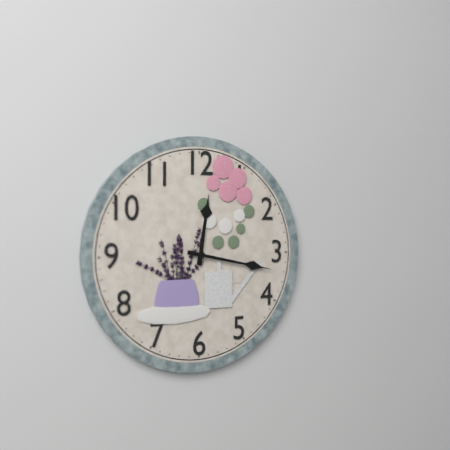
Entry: h=12 m=17
